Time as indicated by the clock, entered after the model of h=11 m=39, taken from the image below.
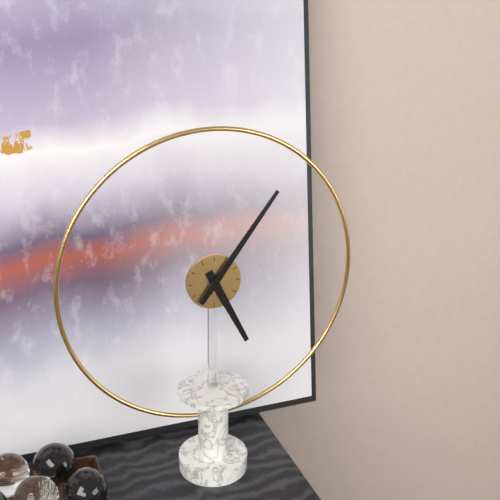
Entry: h=5 m=6
